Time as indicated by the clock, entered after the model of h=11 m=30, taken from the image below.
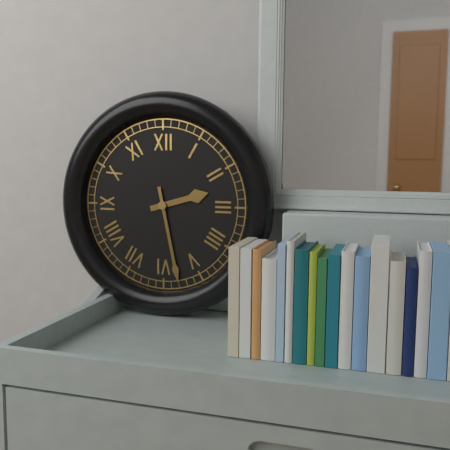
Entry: h=2 m=28
